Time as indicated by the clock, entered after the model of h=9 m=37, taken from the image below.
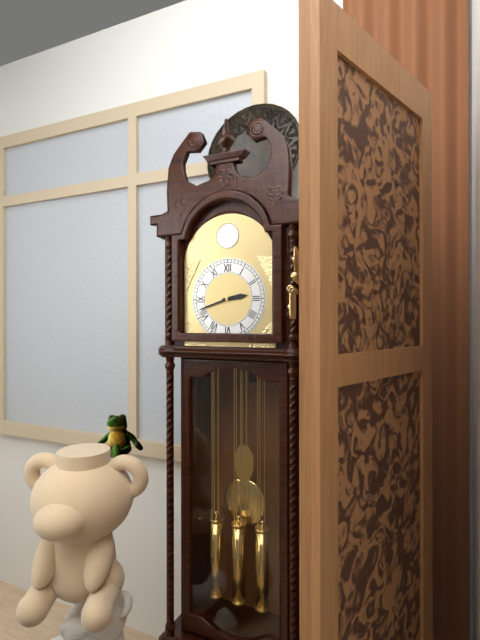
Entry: h=2 m=42
